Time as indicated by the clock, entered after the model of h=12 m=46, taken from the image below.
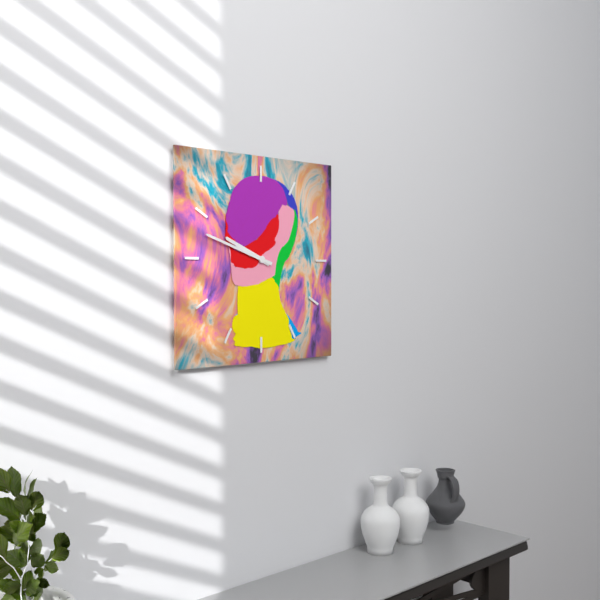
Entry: h=9 m=48
